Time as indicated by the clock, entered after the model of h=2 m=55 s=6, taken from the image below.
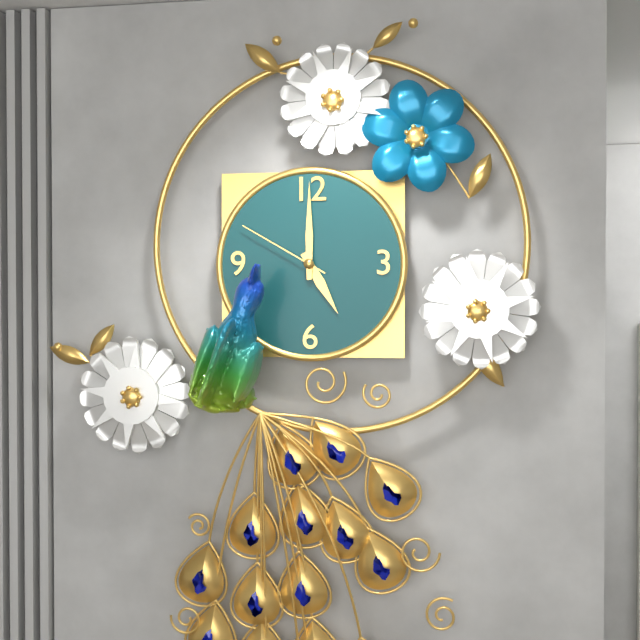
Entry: h=5 m=0 s=50
